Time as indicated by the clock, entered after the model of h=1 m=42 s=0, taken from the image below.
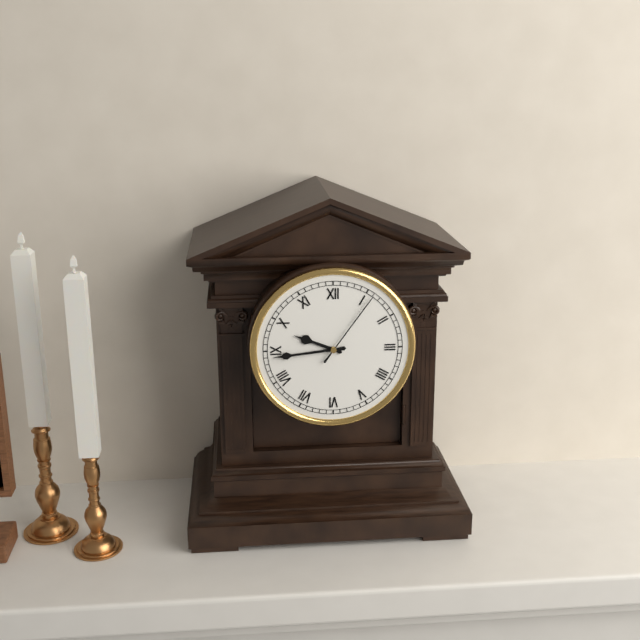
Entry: h=9 m=44 s=6
